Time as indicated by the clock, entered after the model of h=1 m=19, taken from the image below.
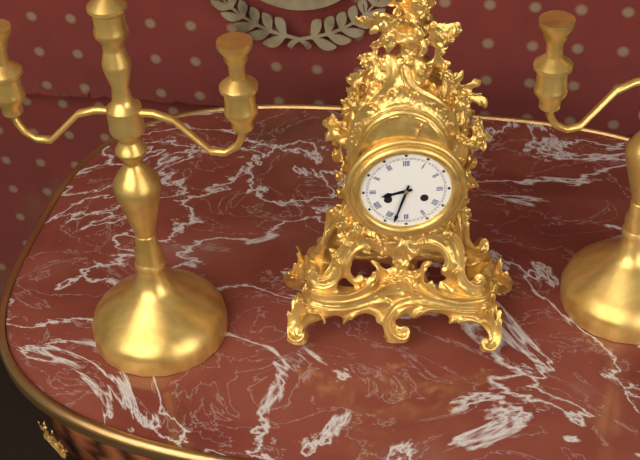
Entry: h=8 m=33
